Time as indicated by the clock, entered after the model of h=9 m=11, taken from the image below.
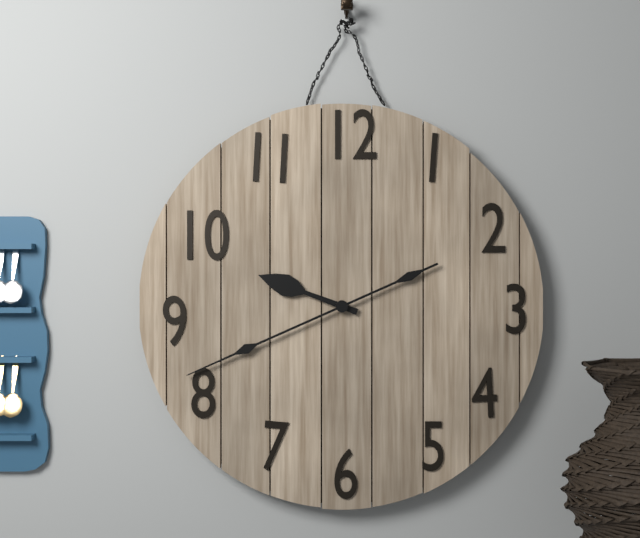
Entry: h=9 m=41
